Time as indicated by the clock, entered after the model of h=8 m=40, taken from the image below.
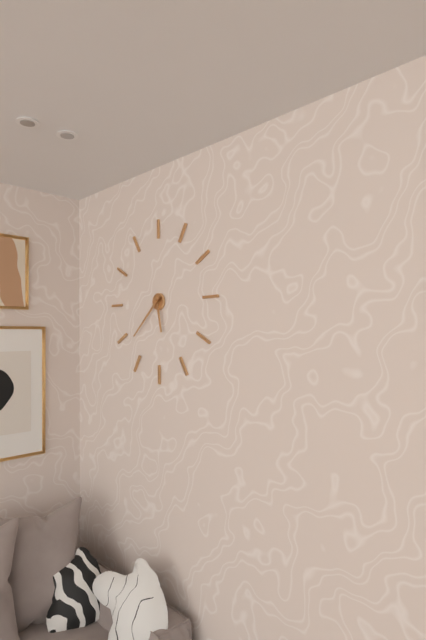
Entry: h=5 m=38
